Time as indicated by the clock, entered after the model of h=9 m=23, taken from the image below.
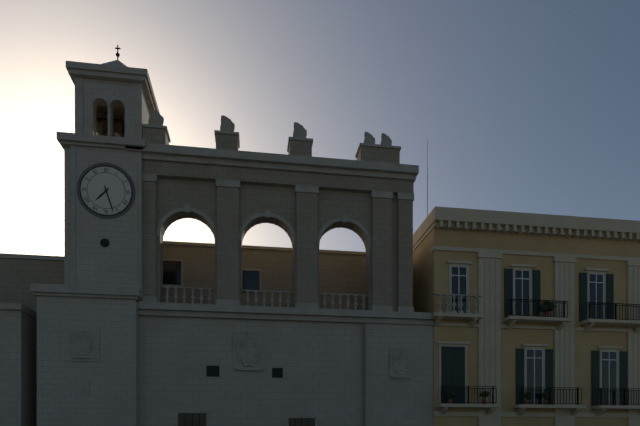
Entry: h=7 m=27
